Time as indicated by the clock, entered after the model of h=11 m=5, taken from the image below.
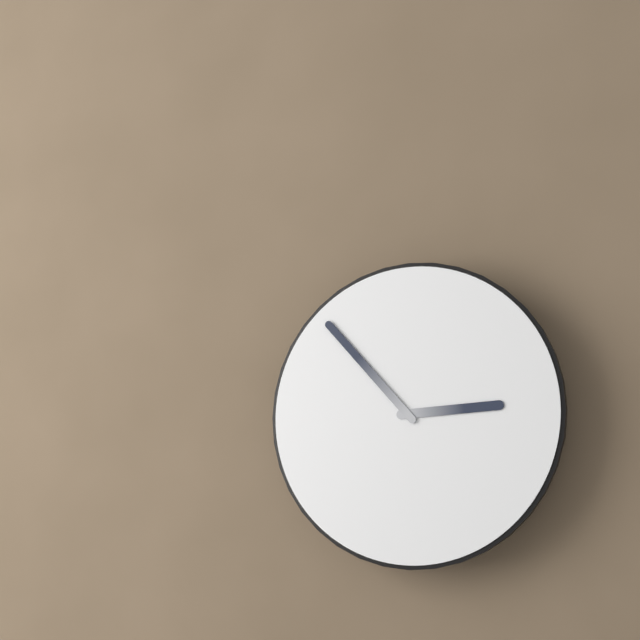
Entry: h=2 m=53
